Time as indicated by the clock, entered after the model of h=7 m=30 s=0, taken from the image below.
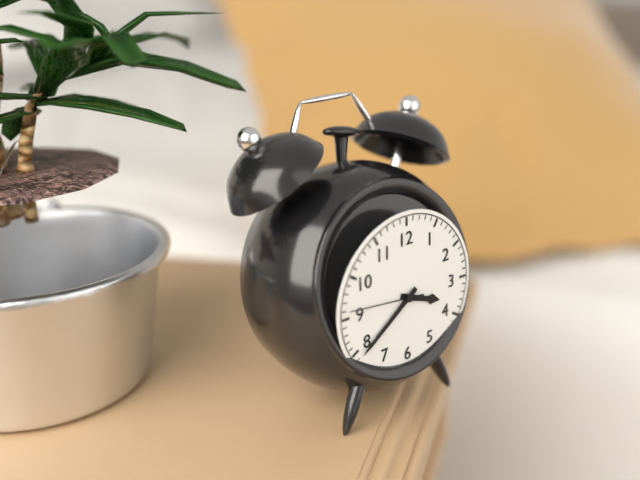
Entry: h=3 m=39 s=46
